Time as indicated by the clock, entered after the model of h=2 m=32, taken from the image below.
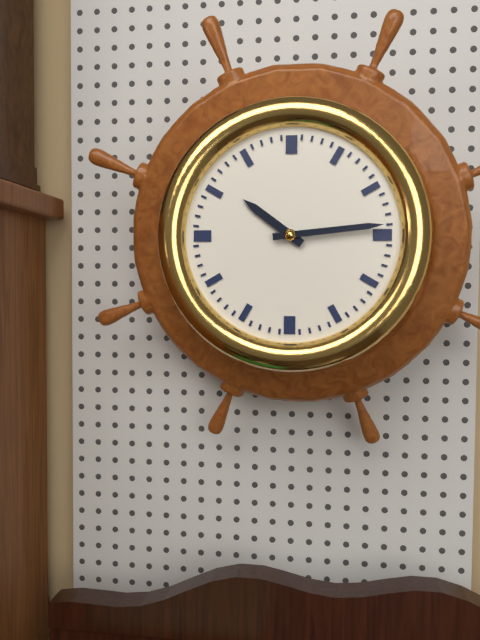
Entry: h=10 m=14
